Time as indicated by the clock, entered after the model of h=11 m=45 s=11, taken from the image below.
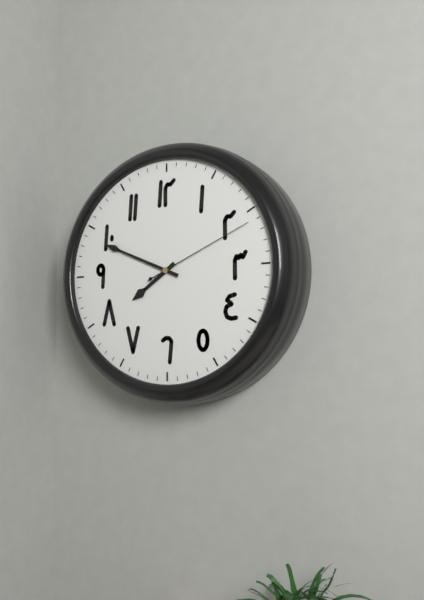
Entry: h=7 m=49 s=11
